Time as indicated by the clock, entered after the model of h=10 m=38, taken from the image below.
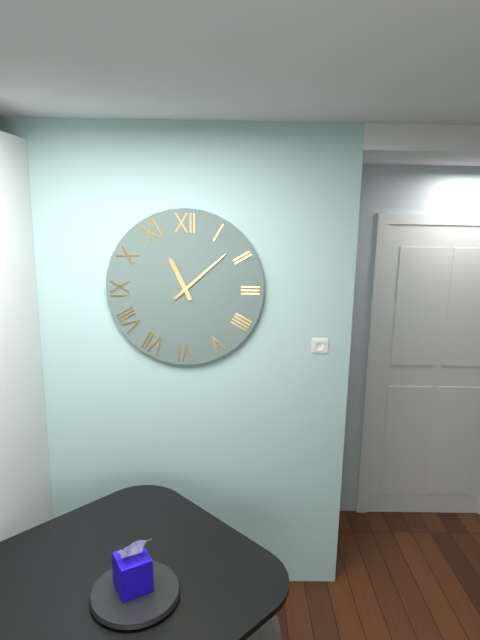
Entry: h=11 m=8
